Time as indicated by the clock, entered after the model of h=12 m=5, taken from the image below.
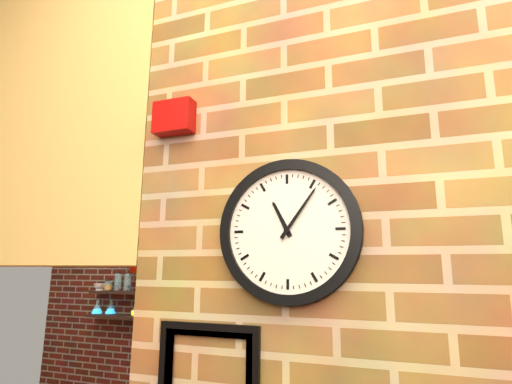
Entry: h=11 m=6
